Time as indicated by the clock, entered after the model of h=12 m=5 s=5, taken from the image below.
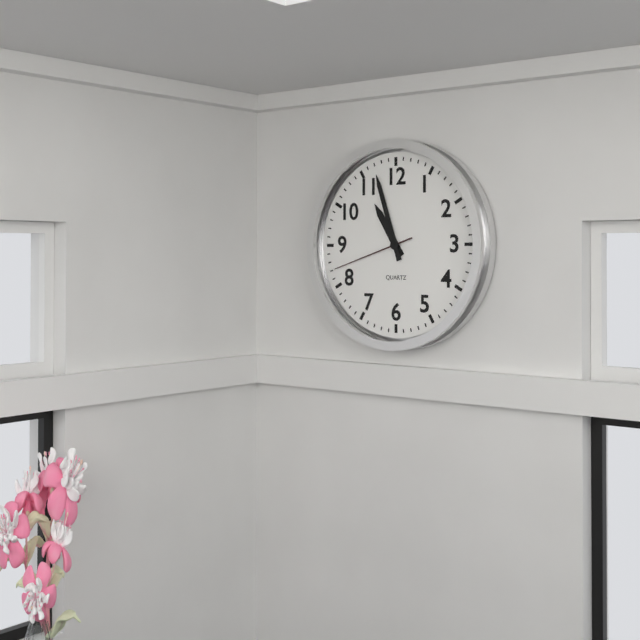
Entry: h=10 m=57 s=42
